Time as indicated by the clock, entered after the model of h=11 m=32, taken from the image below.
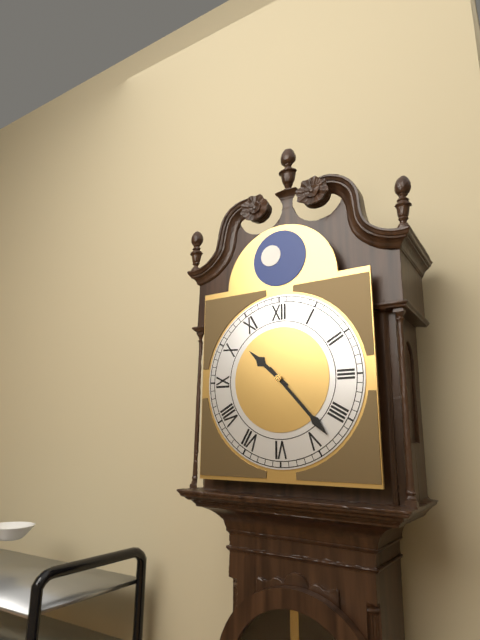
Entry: h=10 m=23
